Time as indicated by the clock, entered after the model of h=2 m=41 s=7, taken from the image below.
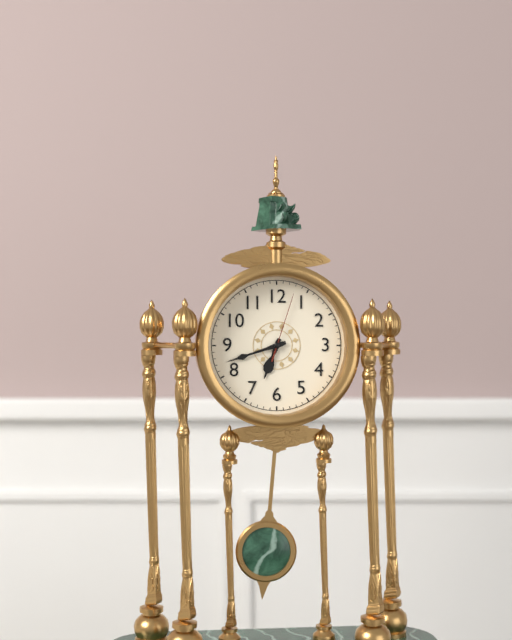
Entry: h=6 m=42 s=3
